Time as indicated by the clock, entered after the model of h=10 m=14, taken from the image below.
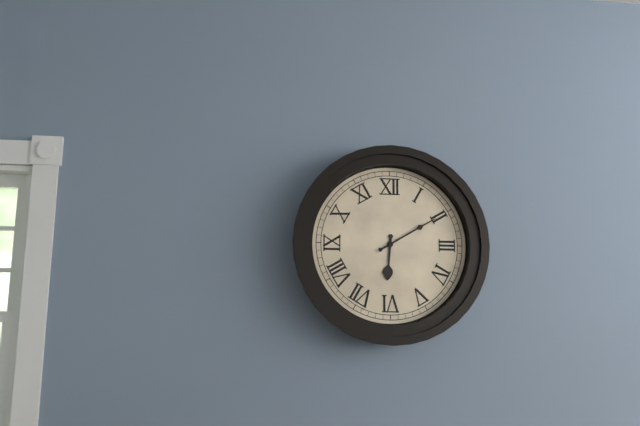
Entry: h=6 m=10
